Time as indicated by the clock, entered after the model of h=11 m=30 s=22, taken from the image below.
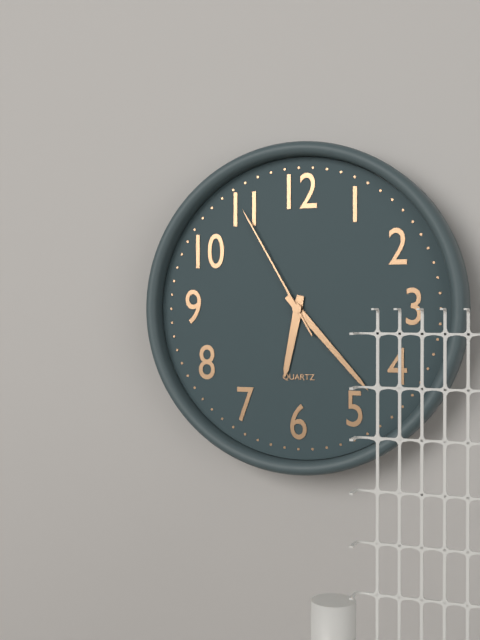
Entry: h=6 m=23 s=55
